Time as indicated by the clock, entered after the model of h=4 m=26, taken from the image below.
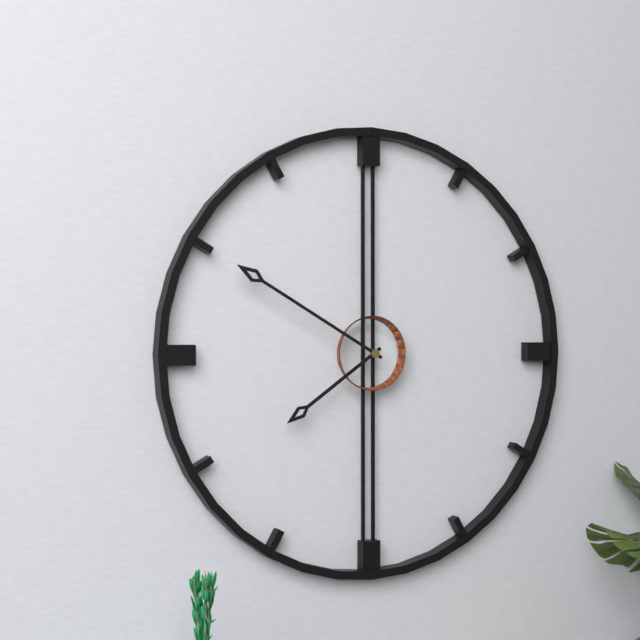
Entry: h=7 m=50
